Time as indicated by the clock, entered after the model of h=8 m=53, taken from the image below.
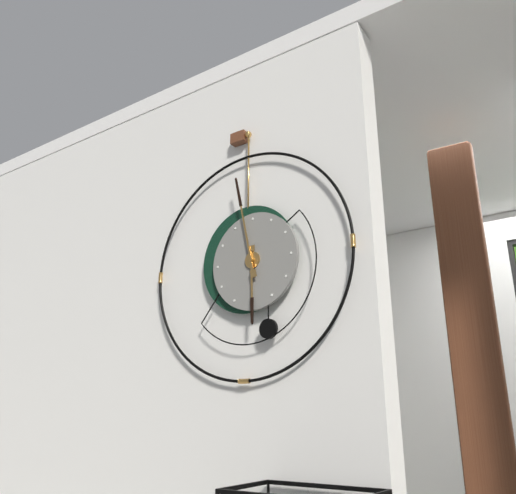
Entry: h=5 m=58
